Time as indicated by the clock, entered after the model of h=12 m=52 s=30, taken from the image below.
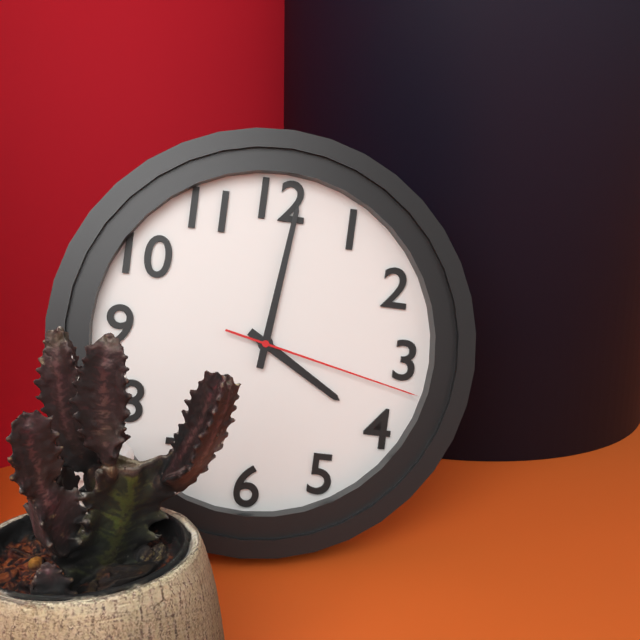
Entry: h=4 m=1 s=17
